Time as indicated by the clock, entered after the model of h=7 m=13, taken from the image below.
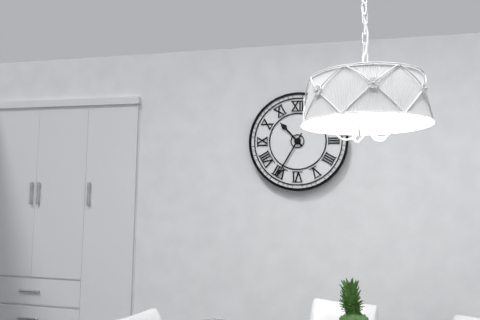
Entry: h=10 m=35
